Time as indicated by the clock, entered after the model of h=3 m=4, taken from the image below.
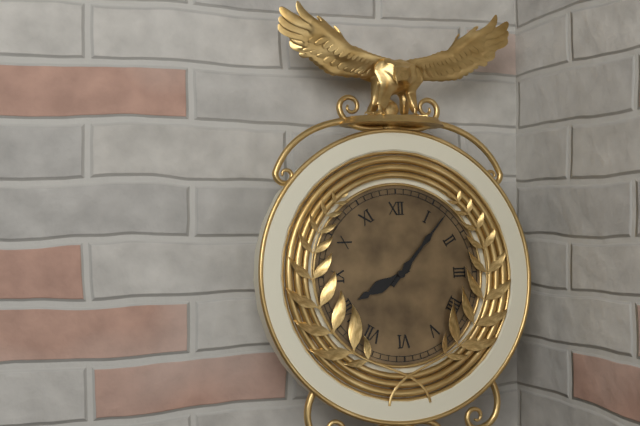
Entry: h=8 m=7
